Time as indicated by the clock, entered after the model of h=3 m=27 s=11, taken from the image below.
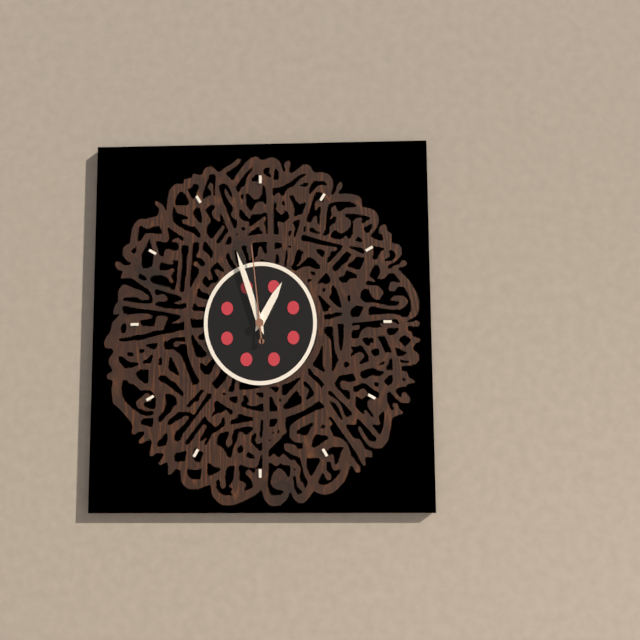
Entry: h=12 m=57 s=59
